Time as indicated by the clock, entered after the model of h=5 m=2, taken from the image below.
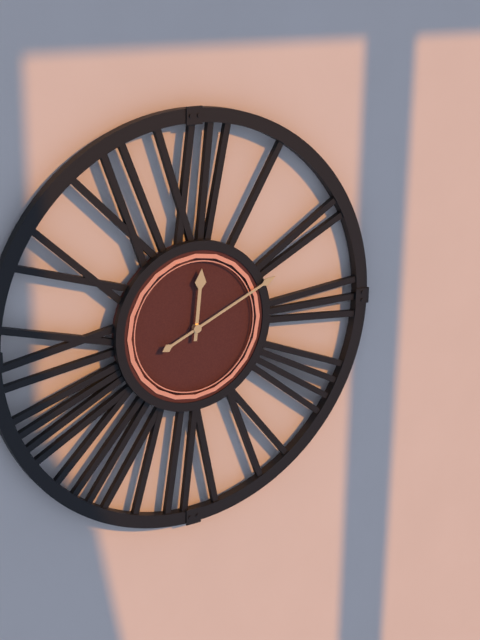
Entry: h=12 m=11
